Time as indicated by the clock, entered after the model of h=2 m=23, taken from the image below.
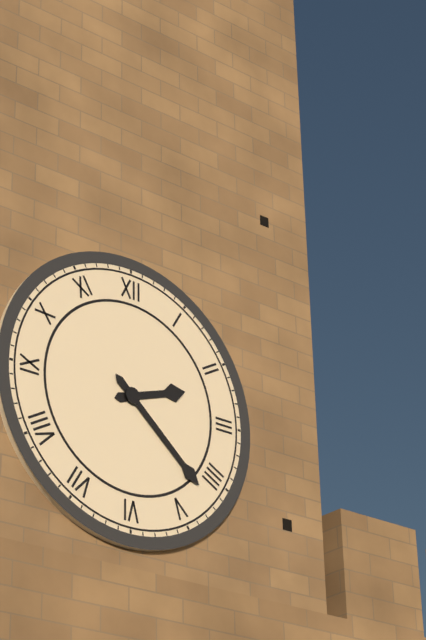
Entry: h=2 m=22
